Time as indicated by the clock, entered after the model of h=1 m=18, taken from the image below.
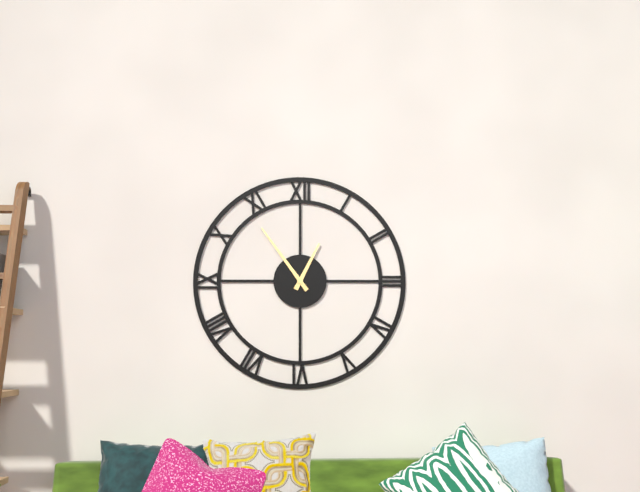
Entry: h=12 m=54
